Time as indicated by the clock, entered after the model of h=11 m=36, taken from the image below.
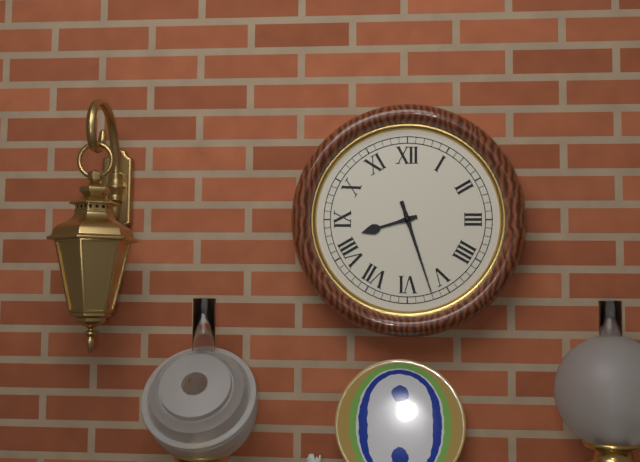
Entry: h=8 m=27
